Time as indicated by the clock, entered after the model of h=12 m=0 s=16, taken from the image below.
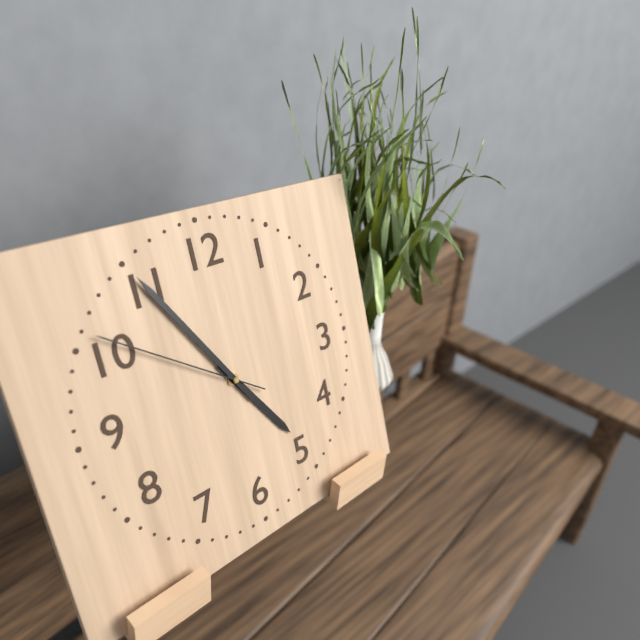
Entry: h=4 m=55 s=51
